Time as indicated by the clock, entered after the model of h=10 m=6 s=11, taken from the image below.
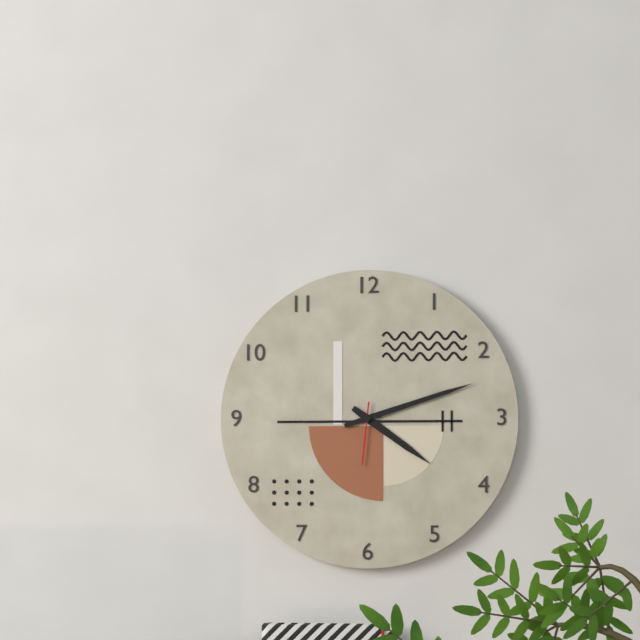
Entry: h=4 m=12 s=31
